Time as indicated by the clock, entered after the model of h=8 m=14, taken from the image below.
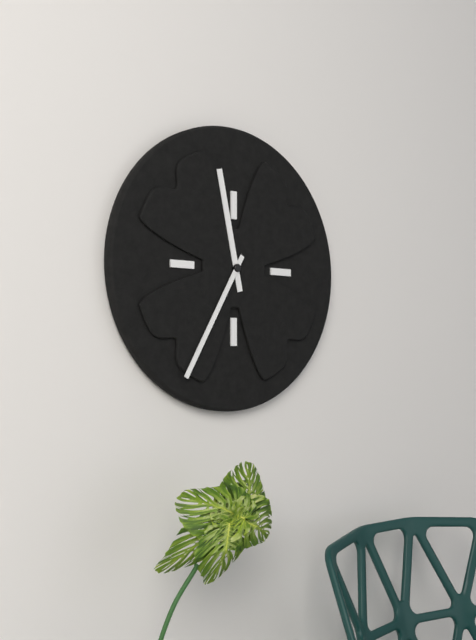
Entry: h=11 m=35
